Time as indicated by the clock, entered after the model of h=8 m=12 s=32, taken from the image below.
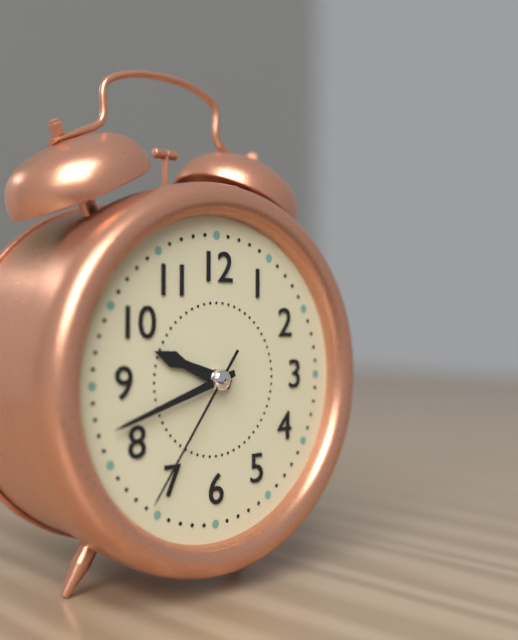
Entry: h=9 m=42 s=36
